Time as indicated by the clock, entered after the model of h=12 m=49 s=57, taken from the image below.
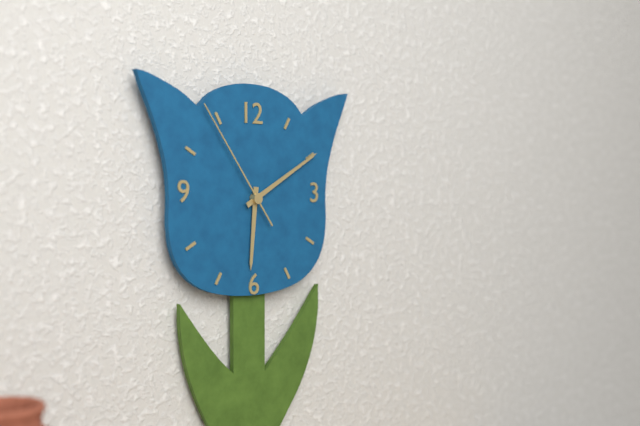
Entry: h=6 m=10 s=54
